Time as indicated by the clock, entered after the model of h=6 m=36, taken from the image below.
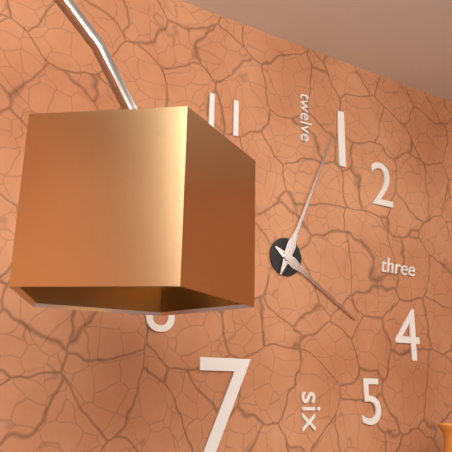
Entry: h=4 m=4
